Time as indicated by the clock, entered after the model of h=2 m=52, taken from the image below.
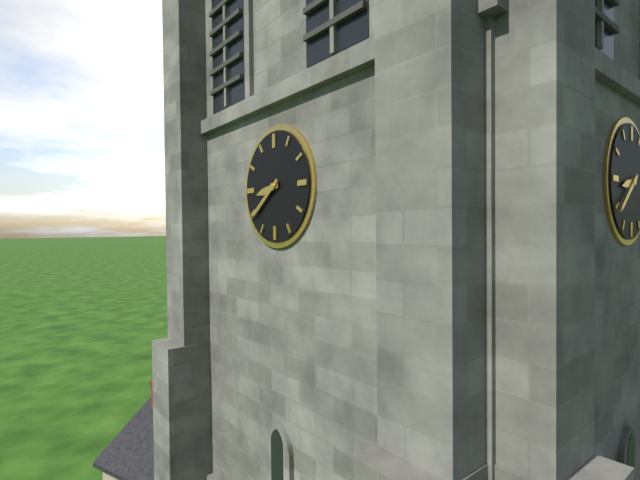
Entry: h=8 m=39
